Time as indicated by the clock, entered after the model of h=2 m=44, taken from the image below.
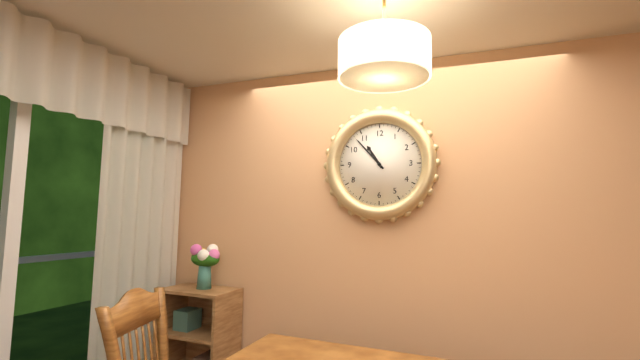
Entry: h=10 m=53
